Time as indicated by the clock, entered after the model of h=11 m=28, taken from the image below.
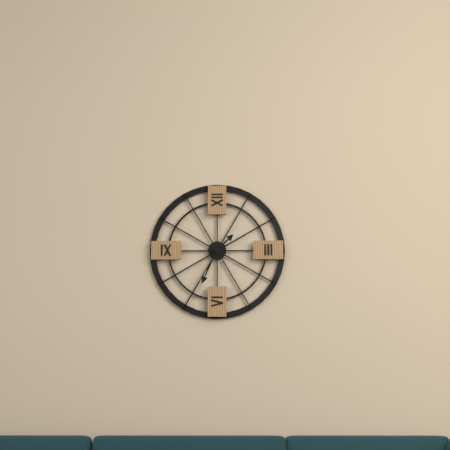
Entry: h=1 m=34
